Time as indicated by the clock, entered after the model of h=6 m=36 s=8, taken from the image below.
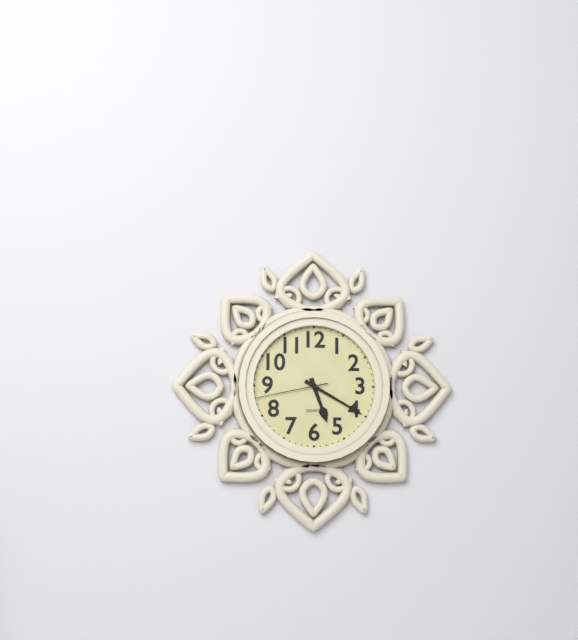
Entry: h=5 m=20 s=43
